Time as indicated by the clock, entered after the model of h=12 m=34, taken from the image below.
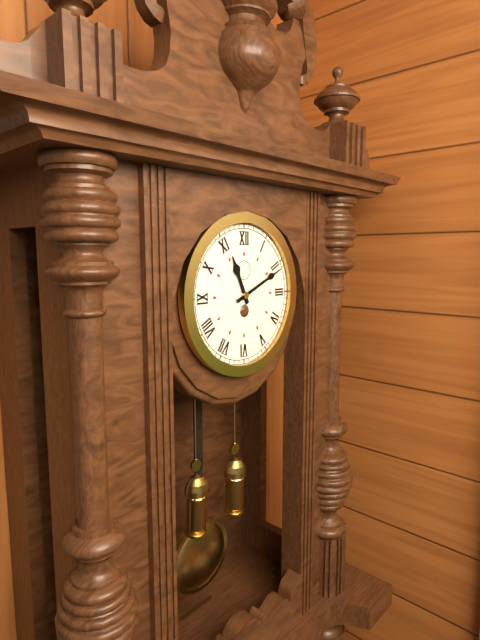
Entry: h=11 m=11
